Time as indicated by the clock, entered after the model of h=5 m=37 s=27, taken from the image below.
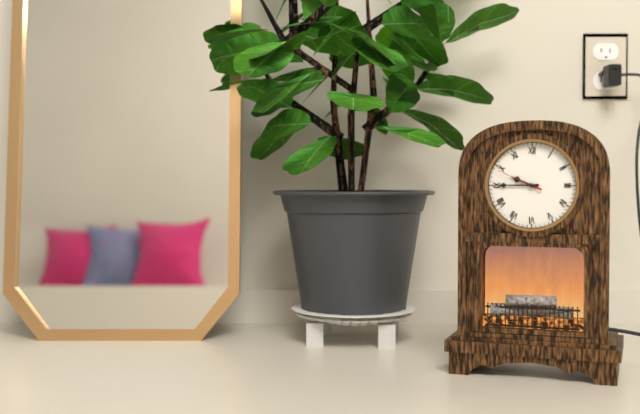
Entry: h=9 m=45 s=49
